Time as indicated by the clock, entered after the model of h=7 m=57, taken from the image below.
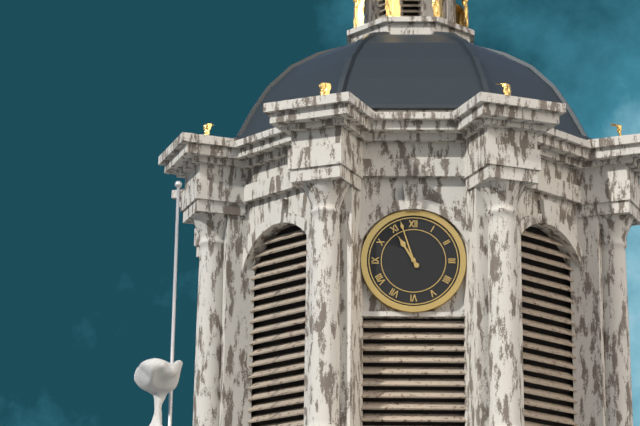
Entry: h=10 m=57
